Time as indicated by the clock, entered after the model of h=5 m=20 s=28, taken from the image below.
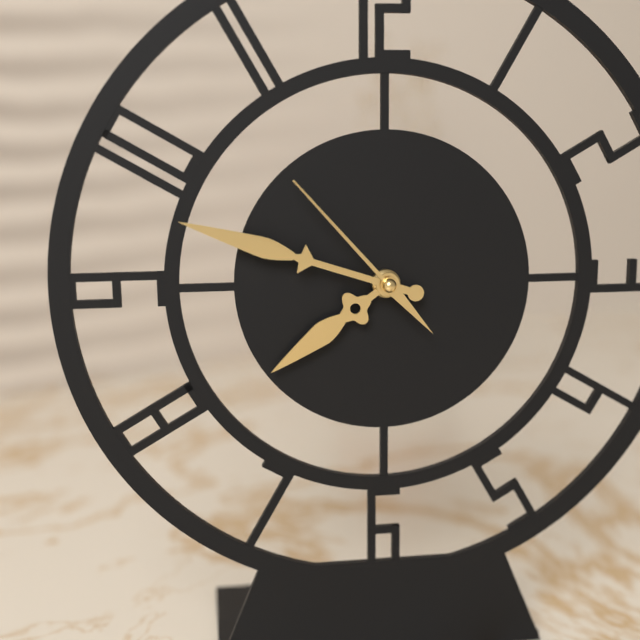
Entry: h=7 m=48 s=53
